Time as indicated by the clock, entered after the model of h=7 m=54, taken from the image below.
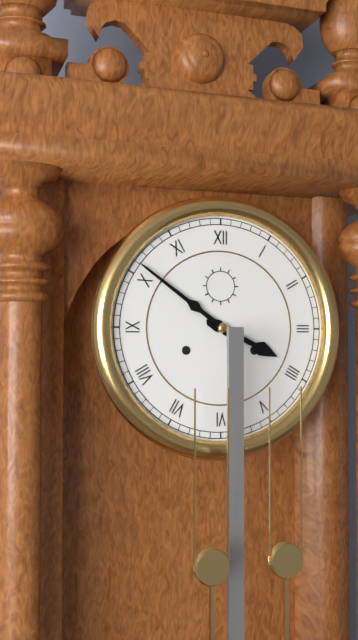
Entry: h=3 m=51
